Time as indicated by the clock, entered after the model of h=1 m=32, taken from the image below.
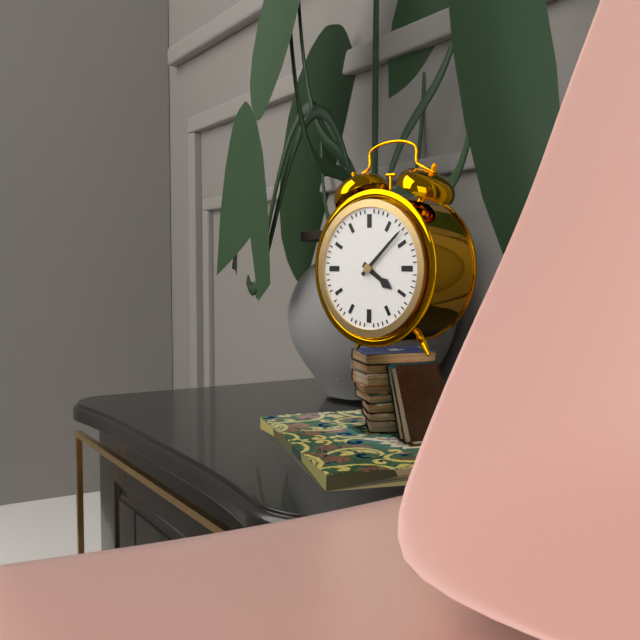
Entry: h=4 m=8
